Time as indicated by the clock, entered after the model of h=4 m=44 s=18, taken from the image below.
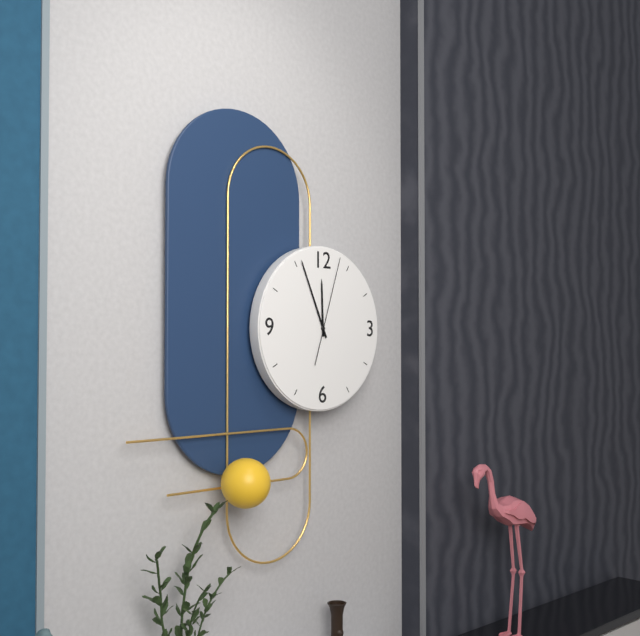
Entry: h=11 m=56 s=3
